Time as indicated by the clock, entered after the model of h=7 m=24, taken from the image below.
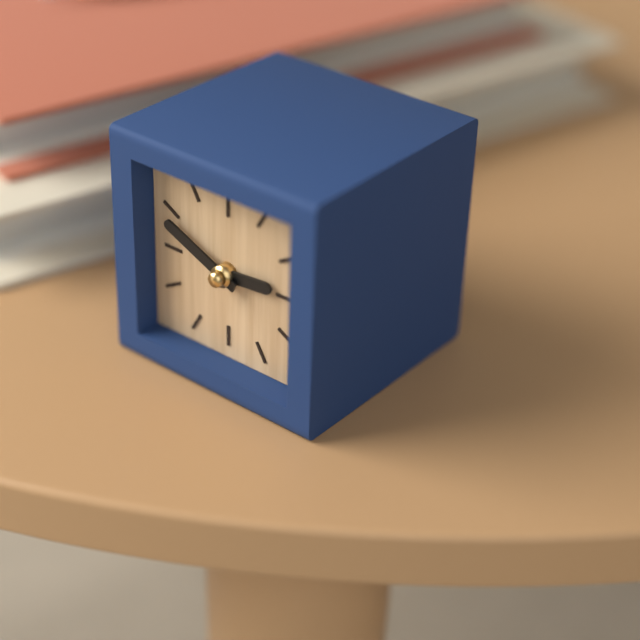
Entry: h=2 m=49
